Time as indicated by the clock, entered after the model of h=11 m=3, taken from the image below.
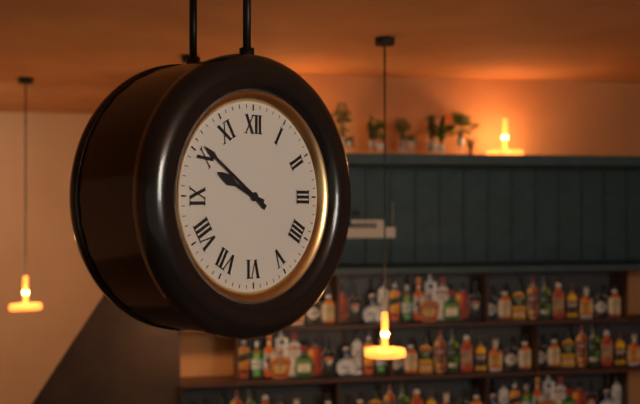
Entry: h=9 m=51
